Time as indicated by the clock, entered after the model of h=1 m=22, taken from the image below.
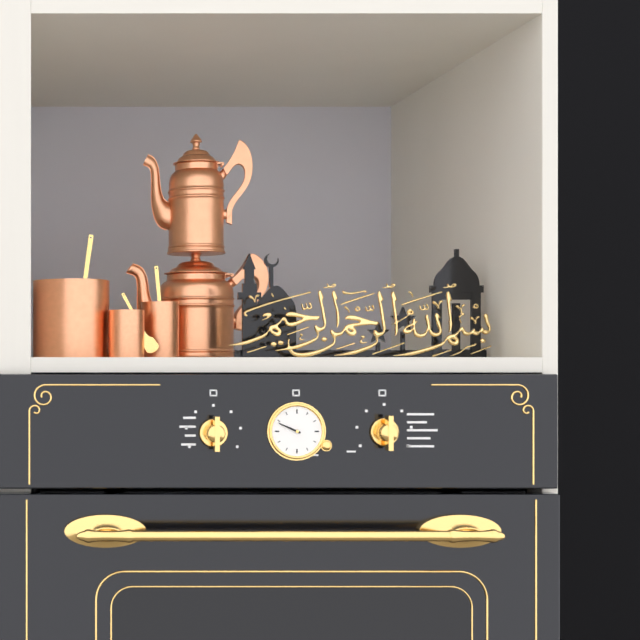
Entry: h=9 m=49
